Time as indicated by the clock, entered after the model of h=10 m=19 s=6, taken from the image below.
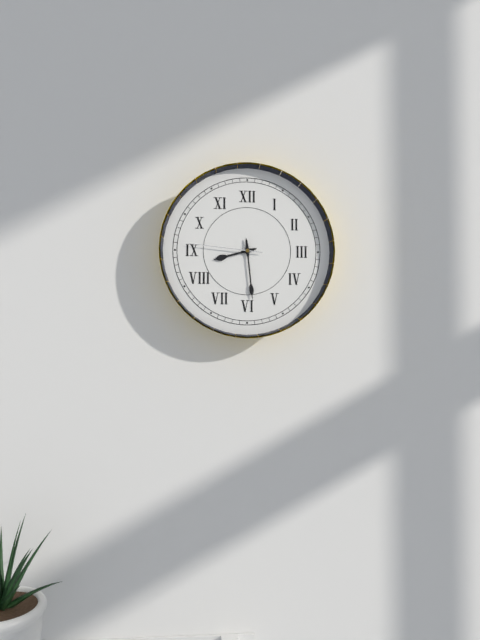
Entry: h=8 m=29 s=46
